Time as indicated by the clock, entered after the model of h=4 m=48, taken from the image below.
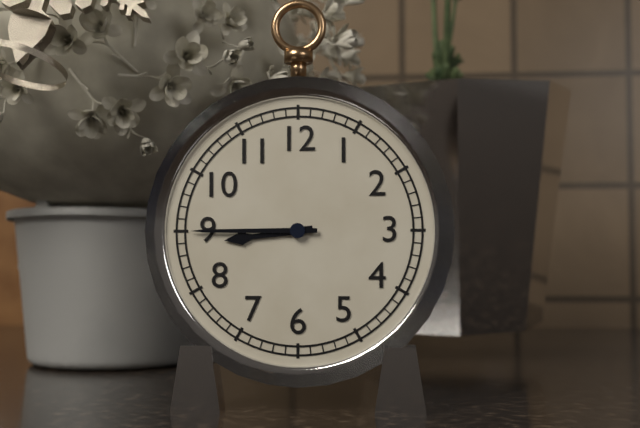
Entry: h=8 m=45
